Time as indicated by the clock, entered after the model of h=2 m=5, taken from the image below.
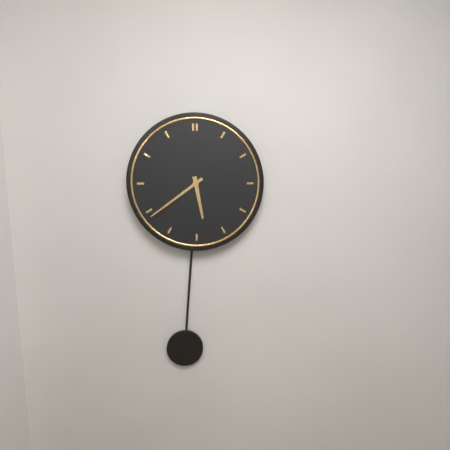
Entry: h=5 m=39
